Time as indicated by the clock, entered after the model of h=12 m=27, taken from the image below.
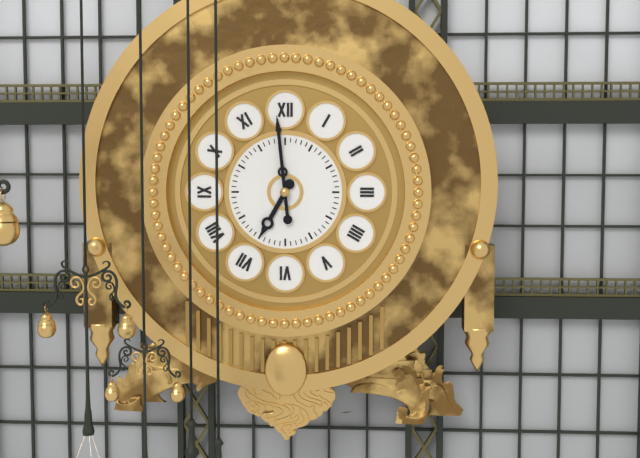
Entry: h=6 m=59
